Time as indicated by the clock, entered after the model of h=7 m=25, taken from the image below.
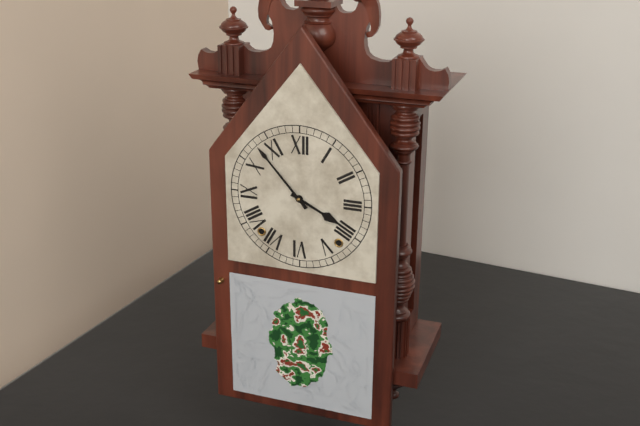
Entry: h=3 m=53
